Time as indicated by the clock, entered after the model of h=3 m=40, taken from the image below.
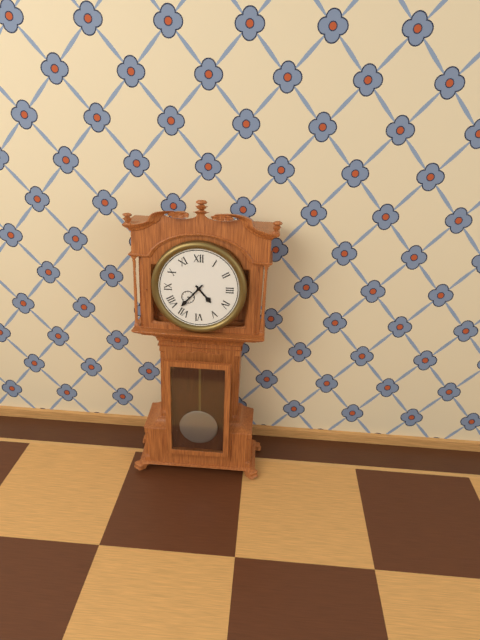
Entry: h=4 m=37
